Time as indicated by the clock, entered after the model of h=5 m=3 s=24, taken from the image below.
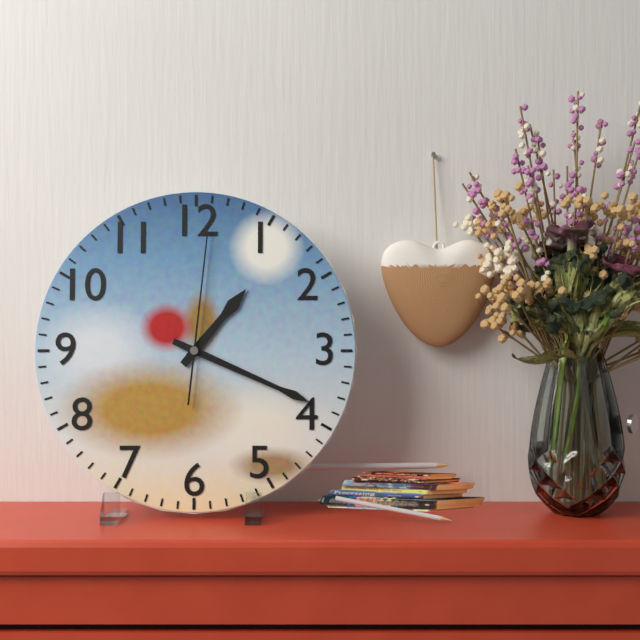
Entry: h=1 m=19 s=1
